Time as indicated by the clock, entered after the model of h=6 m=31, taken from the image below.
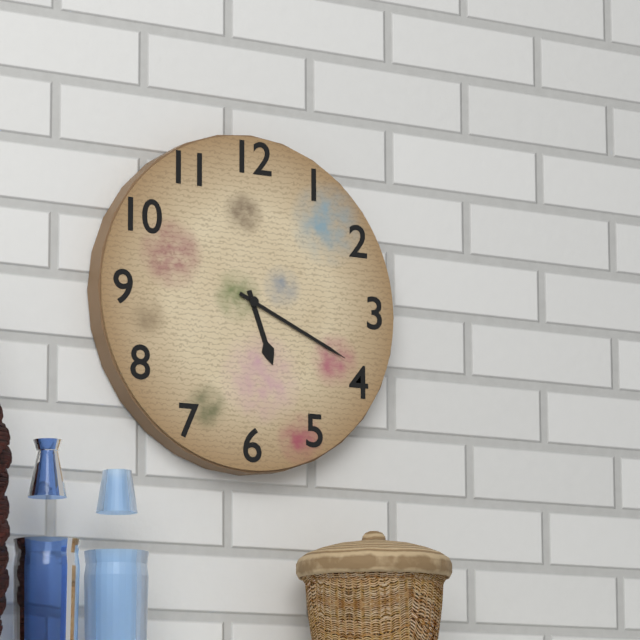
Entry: h=5 m=19
